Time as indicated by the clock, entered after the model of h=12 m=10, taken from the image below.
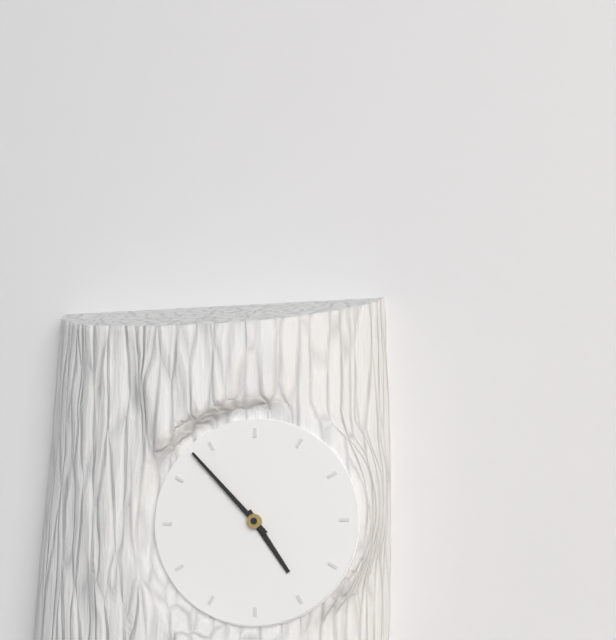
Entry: h=4 m=53
